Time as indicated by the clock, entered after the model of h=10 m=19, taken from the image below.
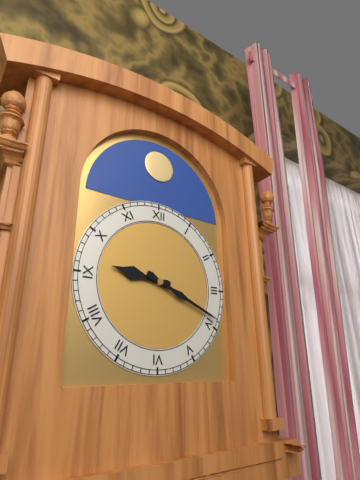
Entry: h=9 m=19
